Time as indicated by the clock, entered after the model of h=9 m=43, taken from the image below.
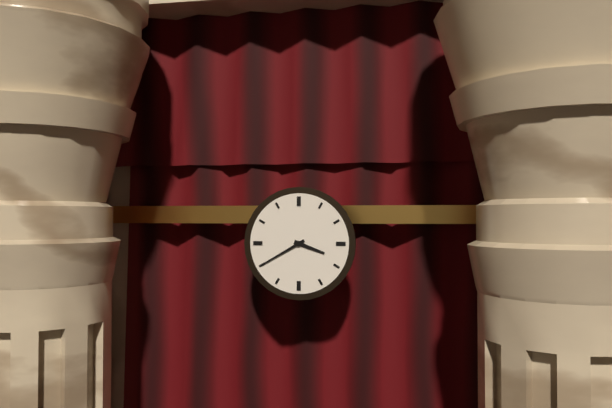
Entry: h=3 m=40
